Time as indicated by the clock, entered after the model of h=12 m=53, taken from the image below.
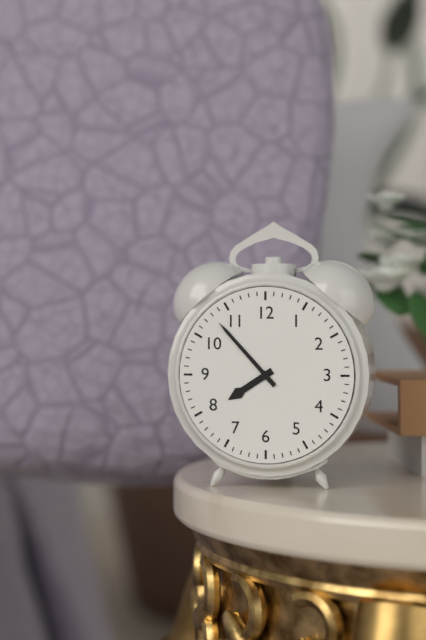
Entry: h=7 m=53
